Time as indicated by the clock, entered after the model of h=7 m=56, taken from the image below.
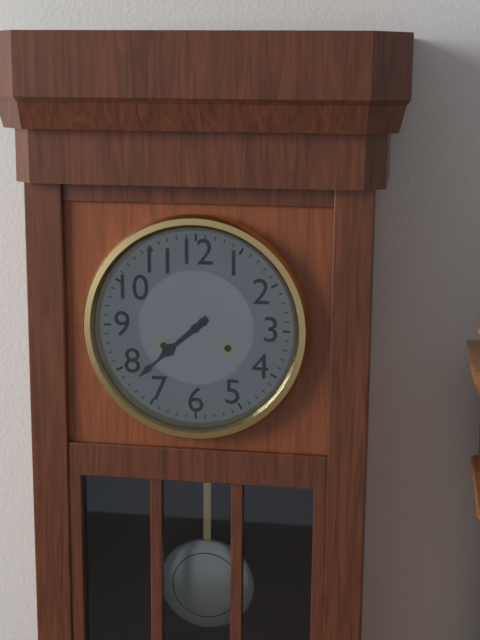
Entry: h=7 m=38
